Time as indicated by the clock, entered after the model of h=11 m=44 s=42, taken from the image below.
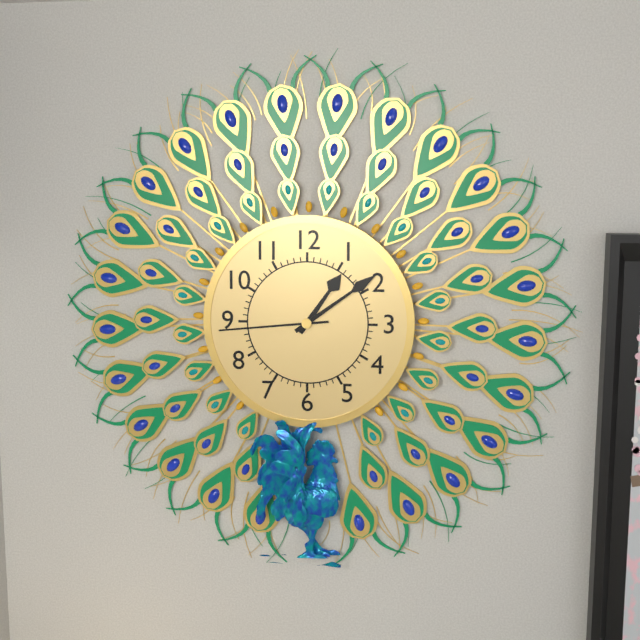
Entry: h=1 m=9 s=44
